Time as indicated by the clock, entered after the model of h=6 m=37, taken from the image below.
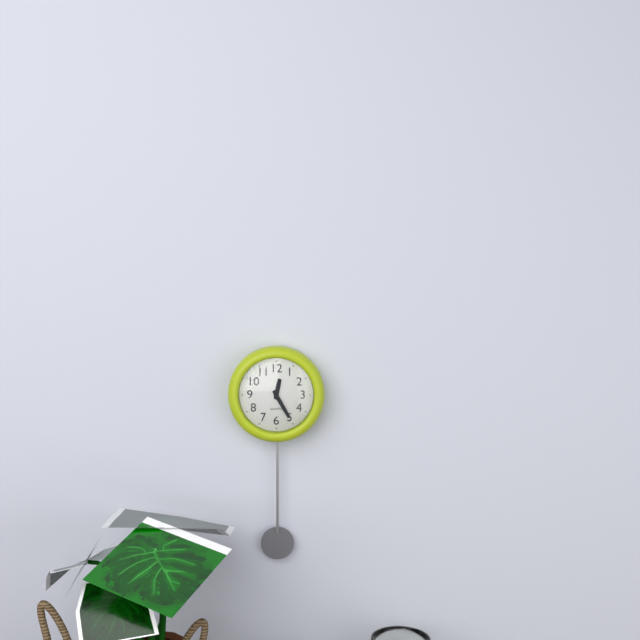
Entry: h=12 m=25
